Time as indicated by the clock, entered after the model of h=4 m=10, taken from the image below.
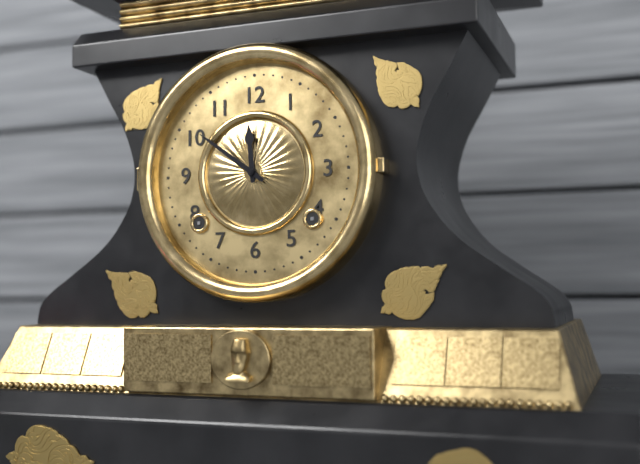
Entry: h=11 m=51
